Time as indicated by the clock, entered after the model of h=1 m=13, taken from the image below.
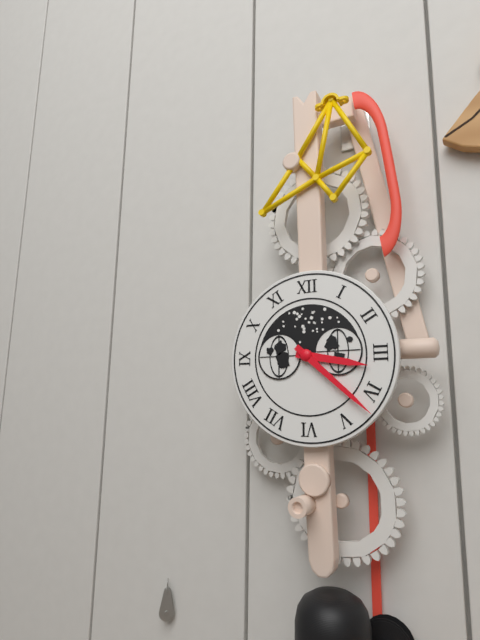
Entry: h=3 m=22
